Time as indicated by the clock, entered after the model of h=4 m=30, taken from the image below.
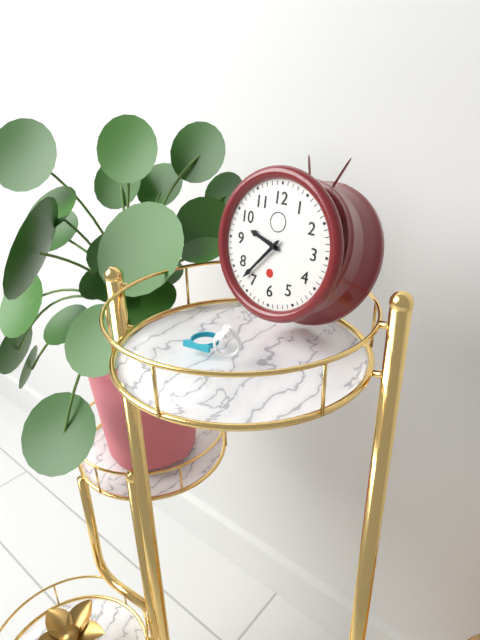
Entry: h=9 m=37
